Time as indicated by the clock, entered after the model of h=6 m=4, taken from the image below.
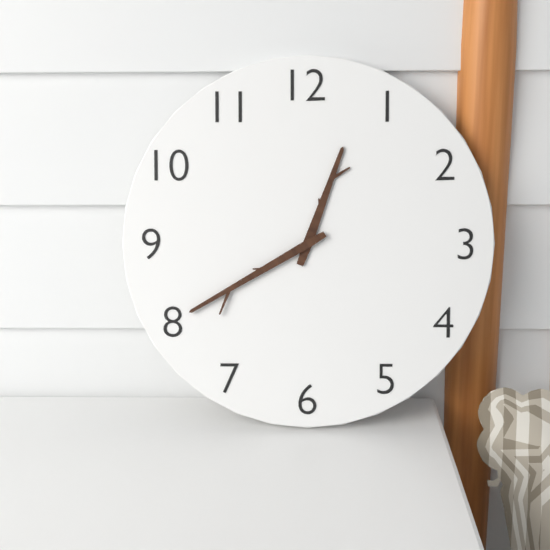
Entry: h=12 m=40
